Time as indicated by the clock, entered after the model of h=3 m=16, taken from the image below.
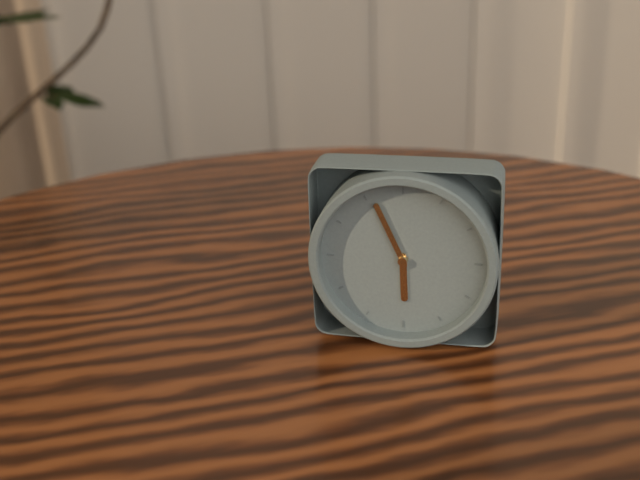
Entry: h=5 m=56
